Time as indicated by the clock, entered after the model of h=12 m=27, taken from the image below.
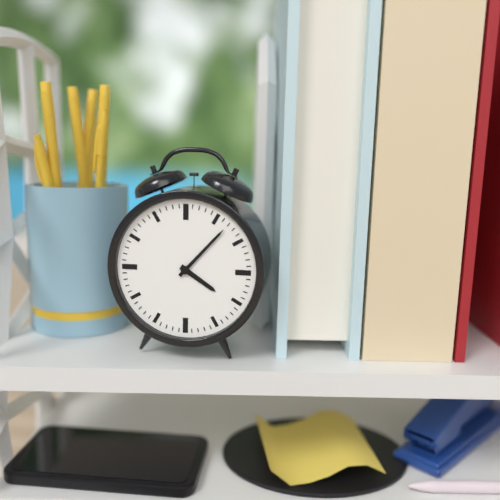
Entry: h=4 m=7
